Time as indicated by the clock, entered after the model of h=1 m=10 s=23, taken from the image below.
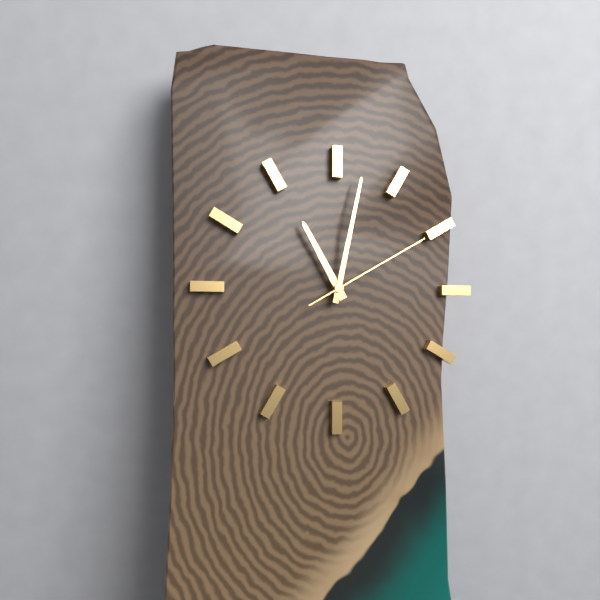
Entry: h=11 m=2 s=10
